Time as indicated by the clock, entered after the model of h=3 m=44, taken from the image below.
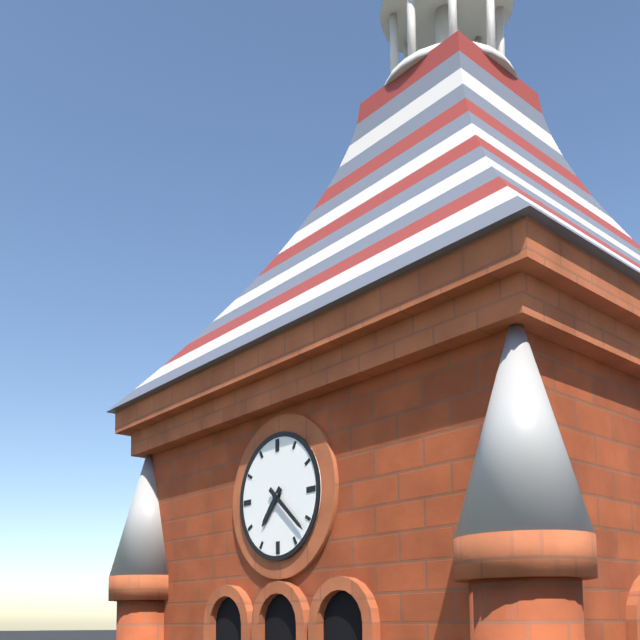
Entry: h=7 m=22
